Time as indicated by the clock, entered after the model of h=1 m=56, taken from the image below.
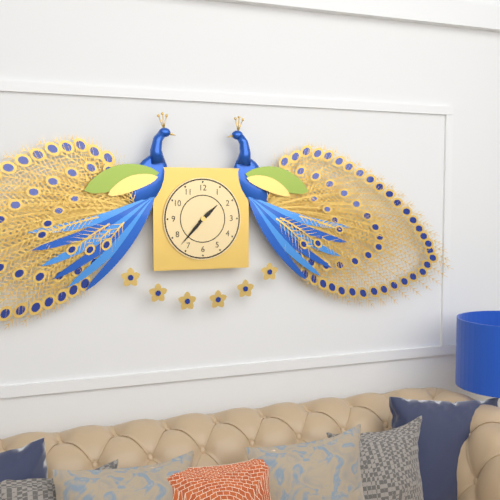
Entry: h=1 m=37
